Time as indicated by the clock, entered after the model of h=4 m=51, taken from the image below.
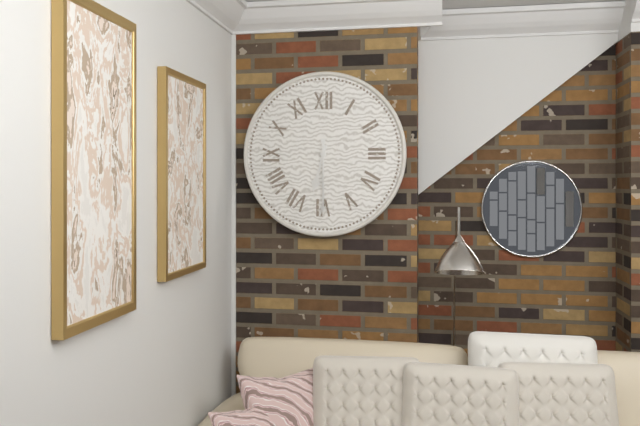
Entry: h=6 m=30
